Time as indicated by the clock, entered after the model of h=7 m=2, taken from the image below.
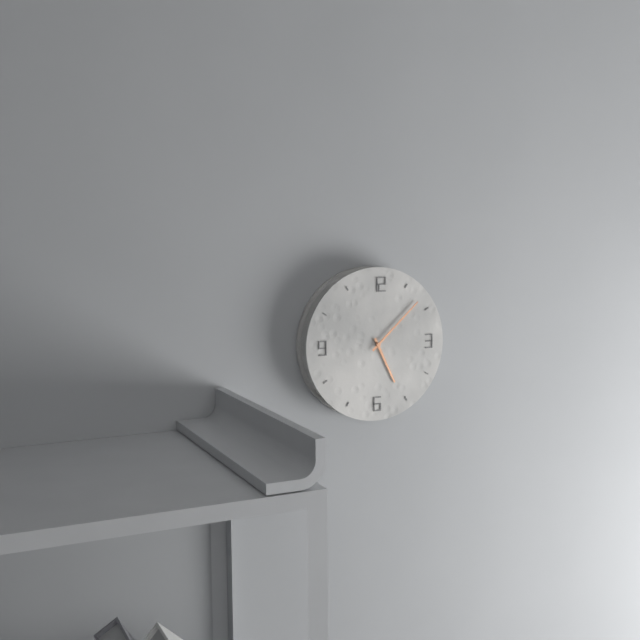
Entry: h=5 m=8
